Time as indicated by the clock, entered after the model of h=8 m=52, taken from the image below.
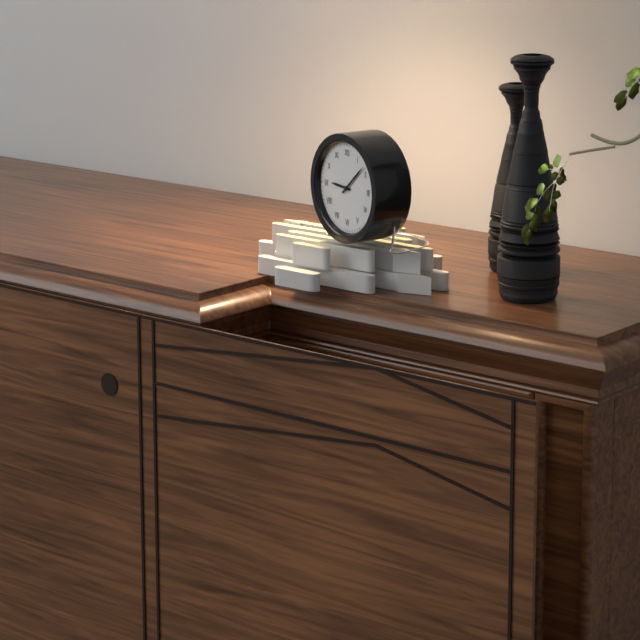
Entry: h=9 m=8
